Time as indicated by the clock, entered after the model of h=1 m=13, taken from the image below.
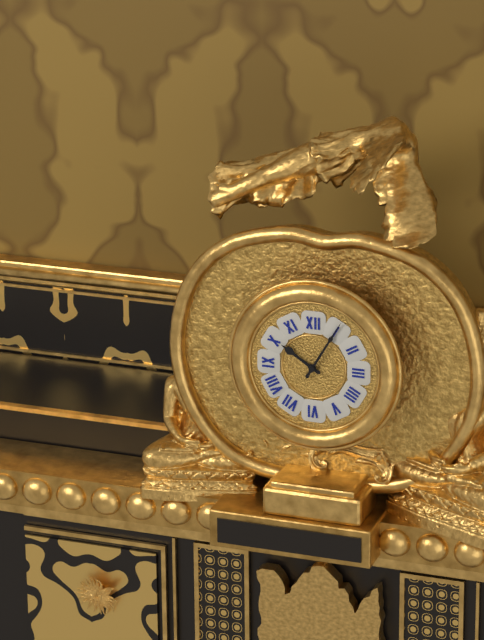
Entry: h=10 m=5
